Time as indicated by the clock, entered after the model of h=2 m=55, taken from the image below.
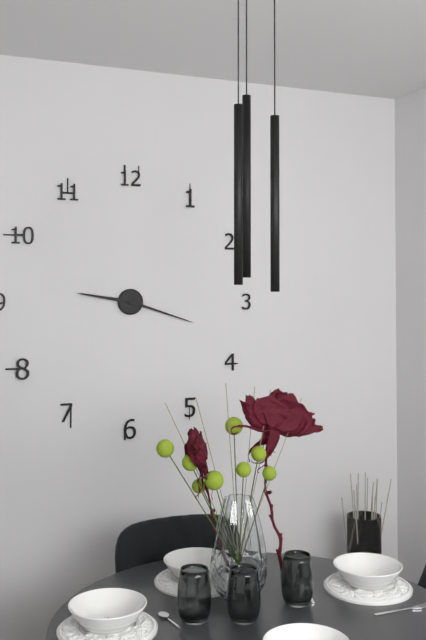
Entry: h=9 m=18
